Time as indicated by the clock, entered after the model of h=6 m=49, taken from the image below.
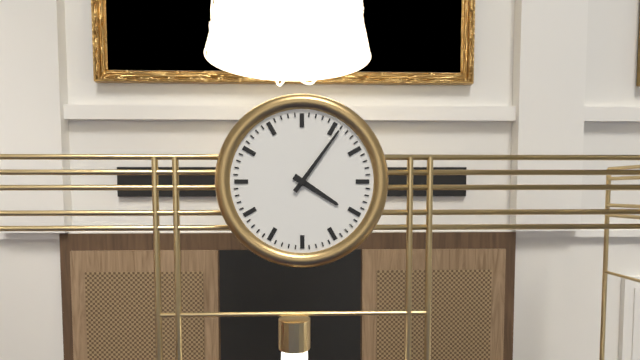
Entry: h=4 m=6
